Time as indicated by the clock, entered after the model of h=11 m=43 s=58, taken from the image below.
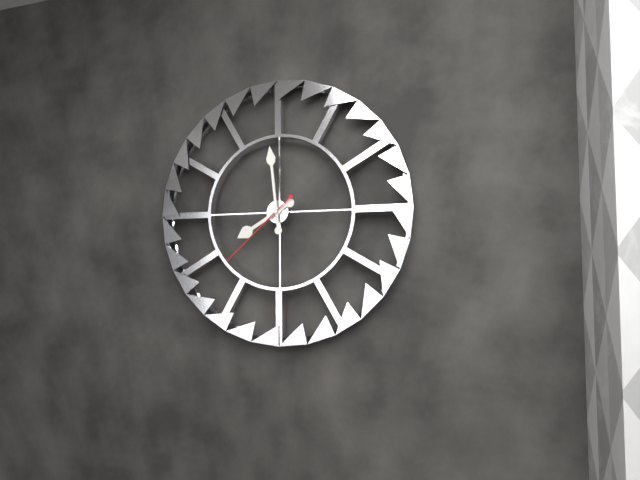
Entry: h=7 m=59 s=38
